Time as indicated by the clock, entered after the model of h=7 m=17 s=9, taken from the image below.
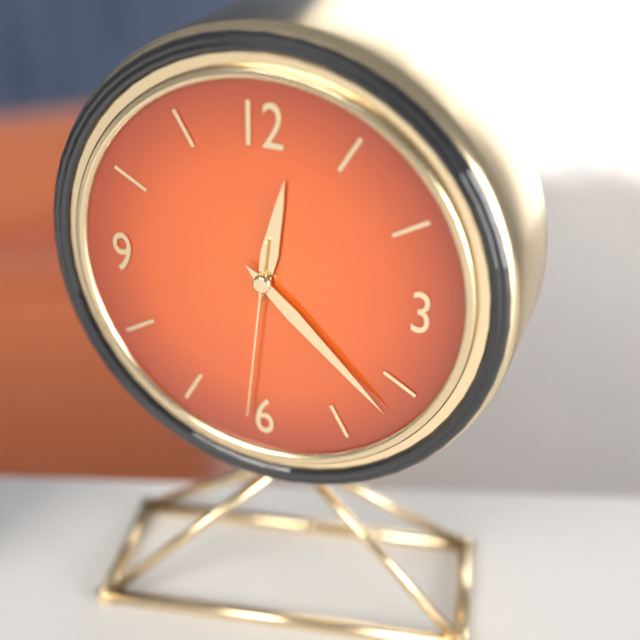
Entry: h=12 m=22 s=31
